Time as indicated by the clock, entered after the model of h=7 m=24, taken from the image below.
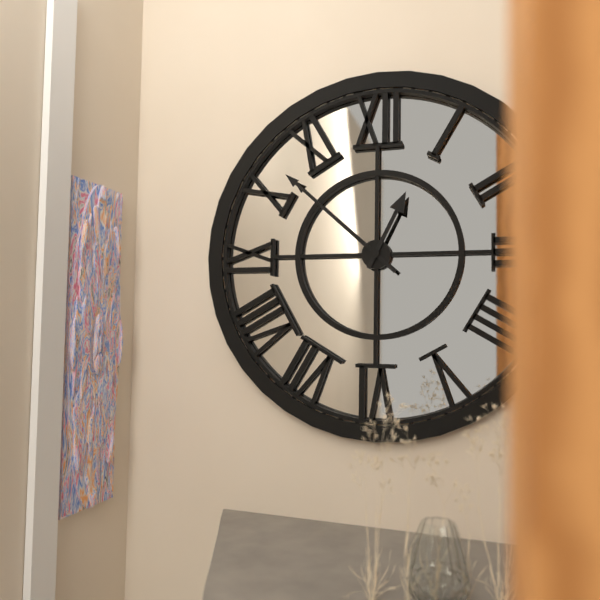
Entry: h=12 m=52
